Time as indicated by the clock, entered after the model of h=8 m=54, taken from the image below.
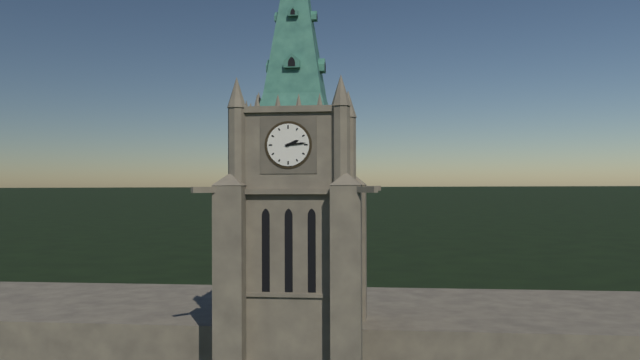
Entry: h=2 m=14
